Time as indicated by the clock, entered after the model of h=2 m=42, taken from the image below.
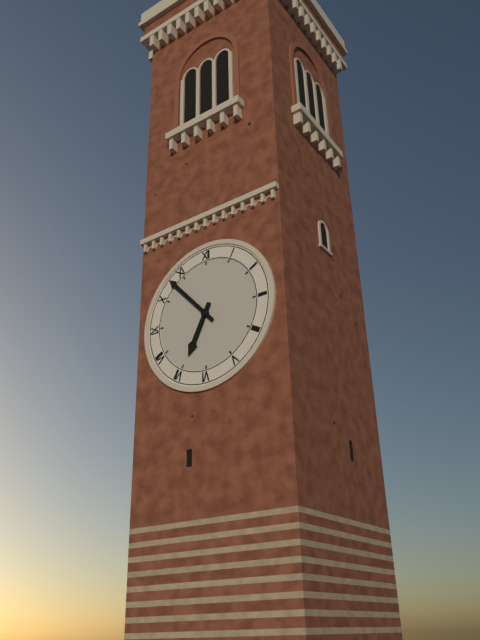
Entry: h=6 m=53
